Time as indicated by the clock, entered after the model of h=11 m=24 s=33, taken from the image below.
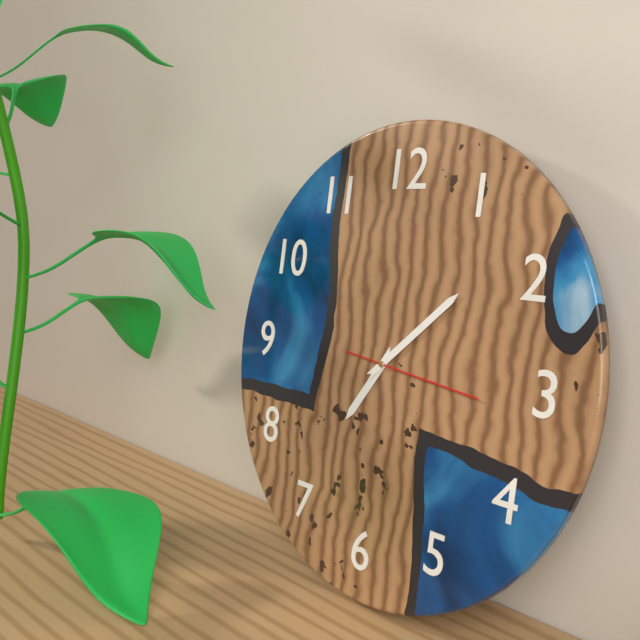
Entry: h=7 m=8 s=16
